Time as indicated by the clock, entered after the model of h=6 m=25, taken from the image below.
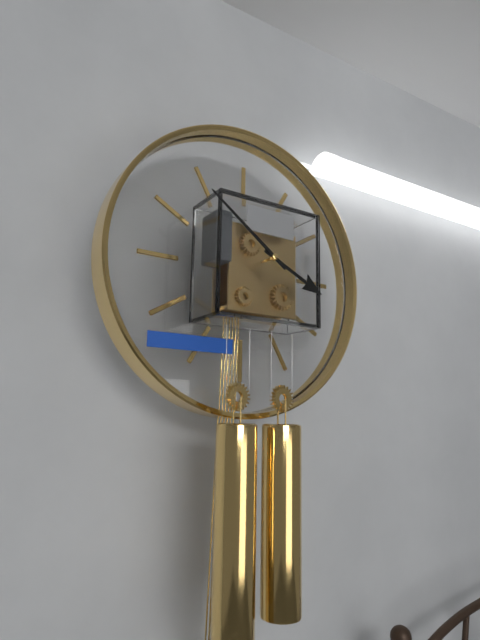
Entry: h=3 m=51
